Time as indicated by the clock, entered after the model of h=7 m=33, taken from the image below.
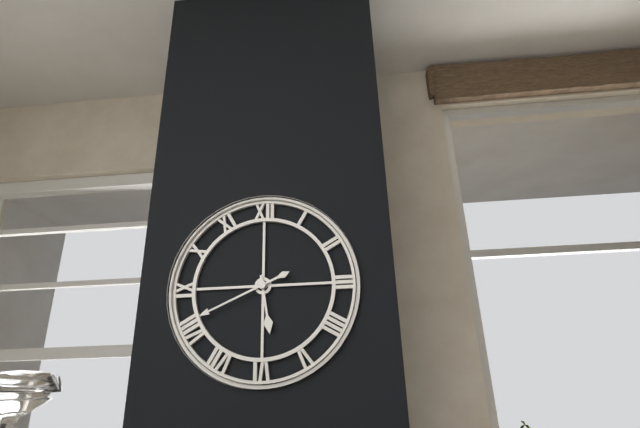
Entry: h=5 m=41
